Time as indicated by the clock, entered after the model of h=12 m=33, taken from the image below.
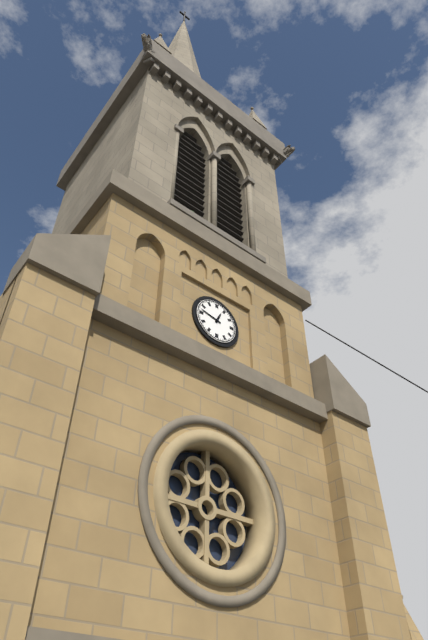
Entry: h=12 m=47
